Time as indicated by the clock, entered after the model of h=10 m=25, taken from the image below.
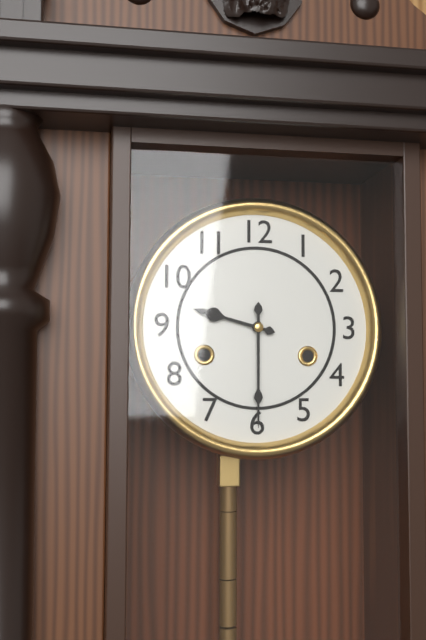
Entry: h=9 m=30
